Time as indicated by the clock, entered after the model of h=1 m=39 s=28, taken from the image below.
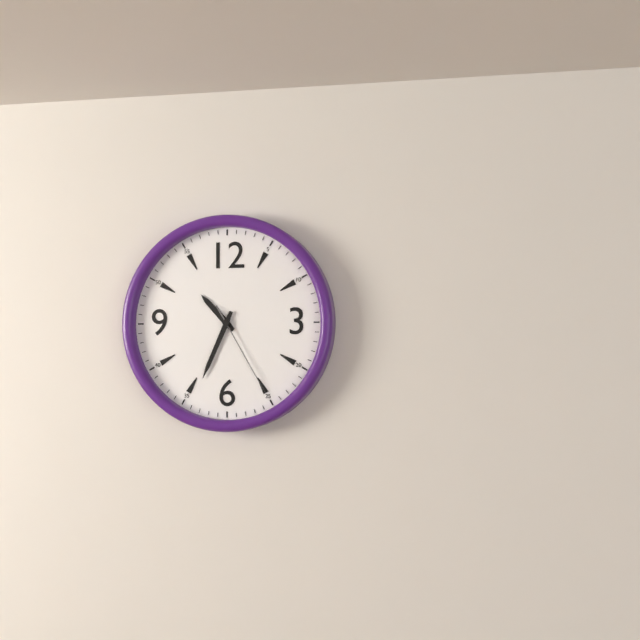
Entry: h=10 m=34 s=25
